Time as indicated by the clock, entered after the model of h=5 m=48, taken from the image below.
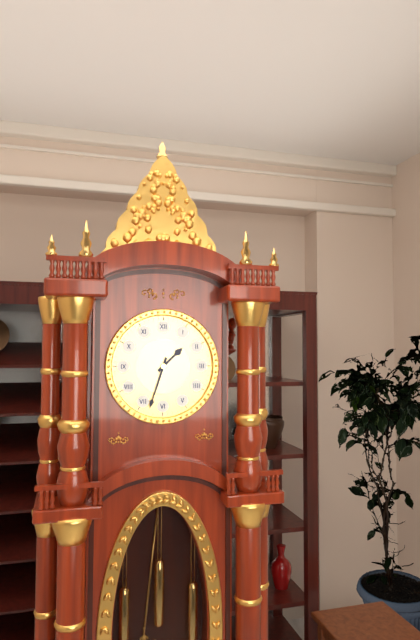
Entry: h=1 m=33
